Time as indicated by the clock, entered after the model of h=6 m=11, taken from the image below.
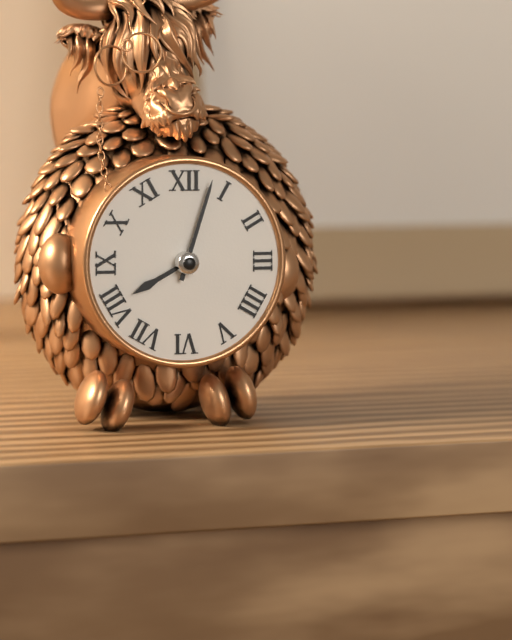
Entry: h=8 m=3
